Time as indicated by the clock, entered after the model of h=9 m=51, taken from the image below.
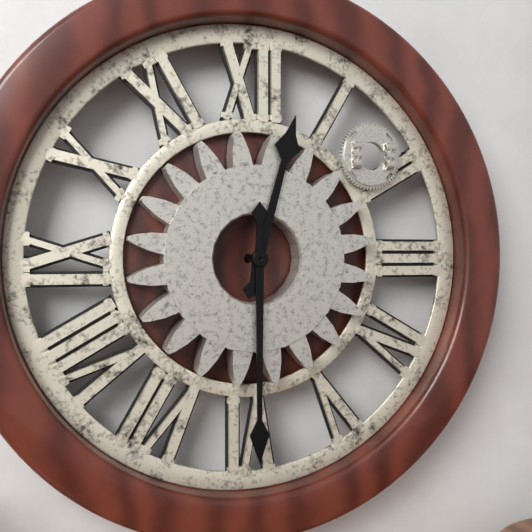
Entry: h=12 m=30
